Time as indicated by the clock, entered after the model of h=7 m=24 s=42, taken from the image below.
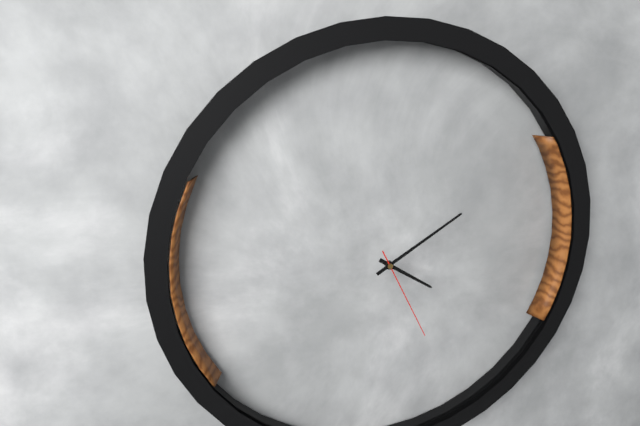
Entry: h=4 m=10 s=26
